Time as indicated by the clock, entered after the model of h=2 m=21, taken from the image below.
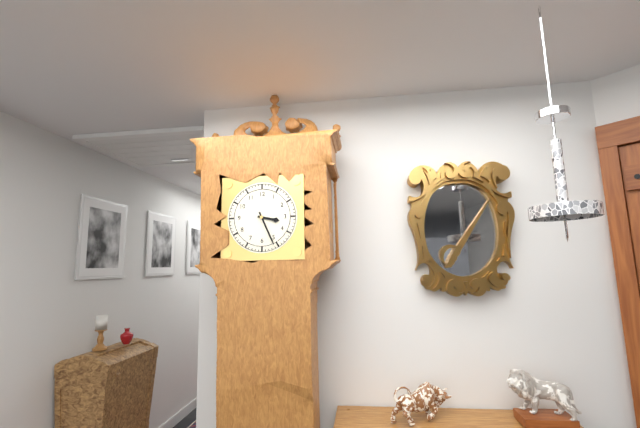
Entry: h=3 m=26
